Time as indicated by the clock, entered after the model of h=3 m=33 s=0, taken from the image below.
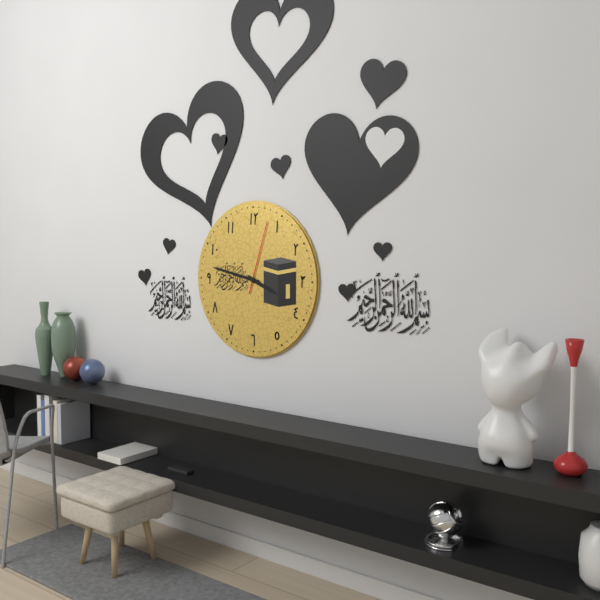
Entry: h=3 m=47 s=3
